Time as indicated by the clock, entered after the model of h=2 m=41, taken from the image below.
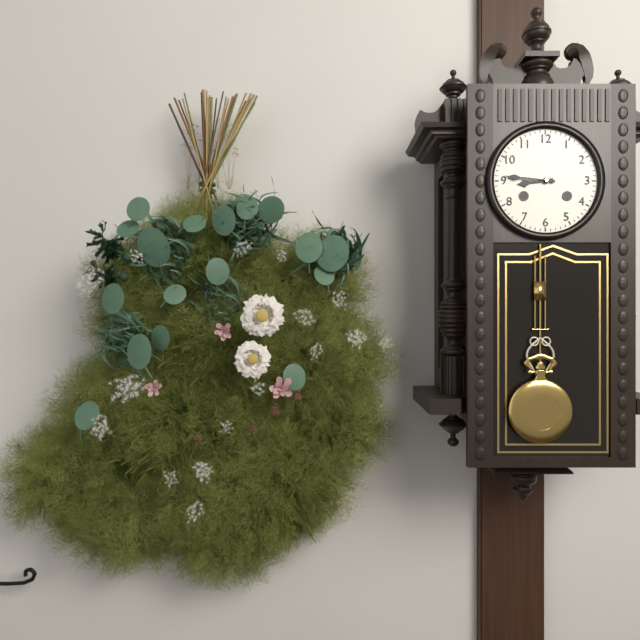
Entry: h=8 m=46
